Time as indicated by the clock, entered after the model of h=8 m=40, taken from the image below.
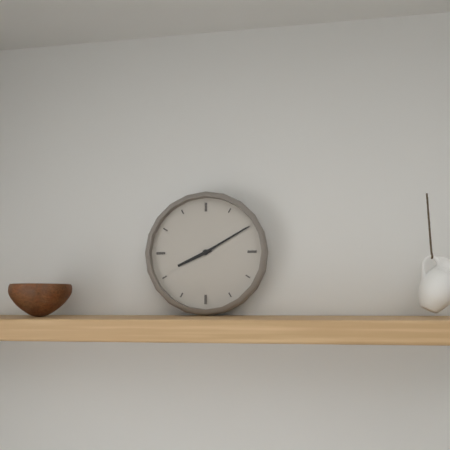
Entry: h=8 m=10
